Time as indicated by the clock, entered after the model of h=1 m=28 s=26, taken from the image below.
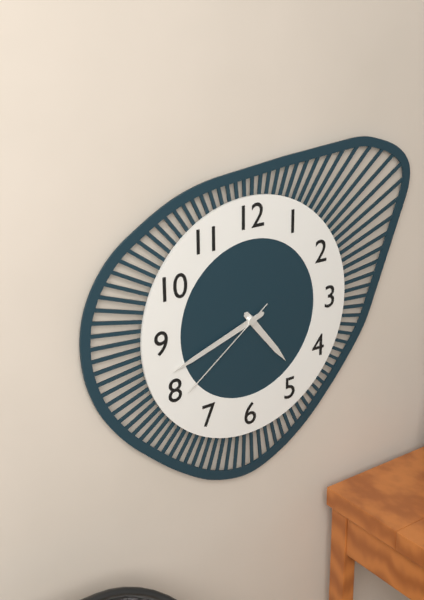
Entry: h=4 m=42 s=39
